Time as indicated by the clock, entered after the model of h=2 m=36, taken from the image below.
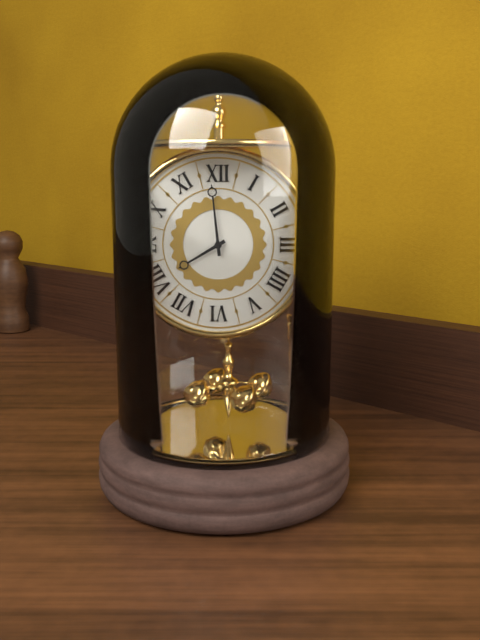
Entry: h=7 m=59
